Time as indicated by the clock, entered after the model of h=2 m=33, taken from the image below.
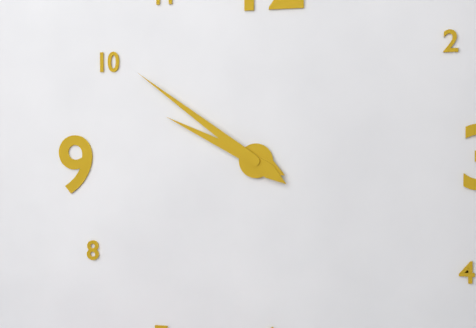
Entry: h=9 m=51
